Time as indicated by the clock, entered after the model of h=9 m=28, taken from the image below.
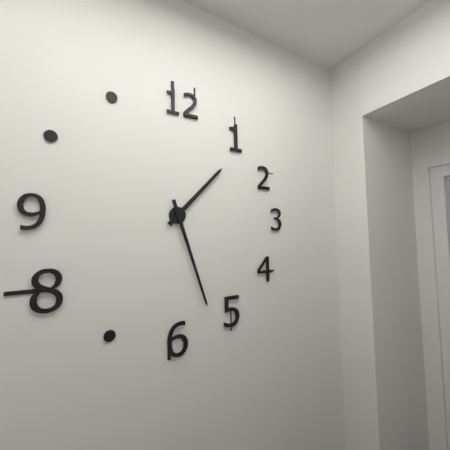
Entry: h=1 m=27
